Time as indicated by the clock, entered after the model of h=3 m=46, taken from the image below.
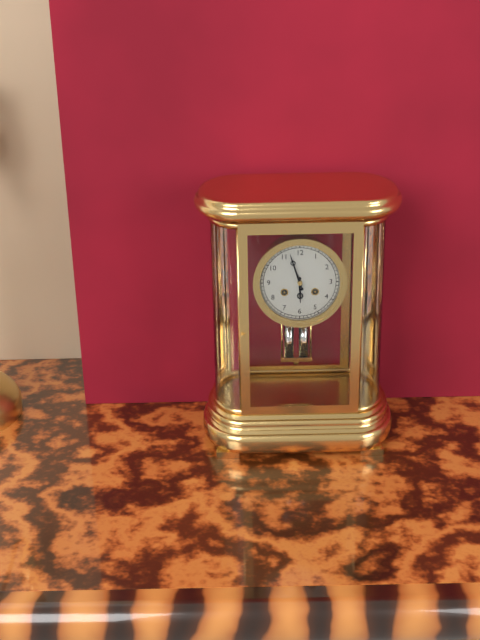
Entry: h=5 m=57
